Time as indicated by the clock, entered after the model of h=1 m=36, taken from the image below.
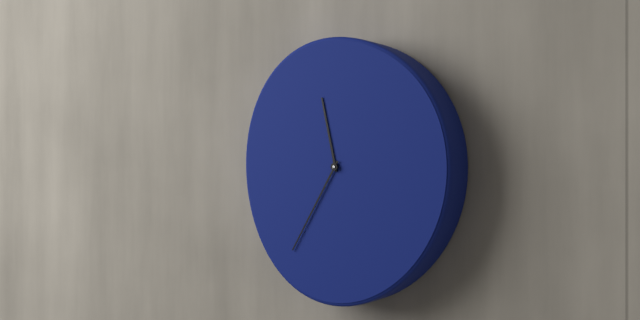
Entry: h=11 m=35
